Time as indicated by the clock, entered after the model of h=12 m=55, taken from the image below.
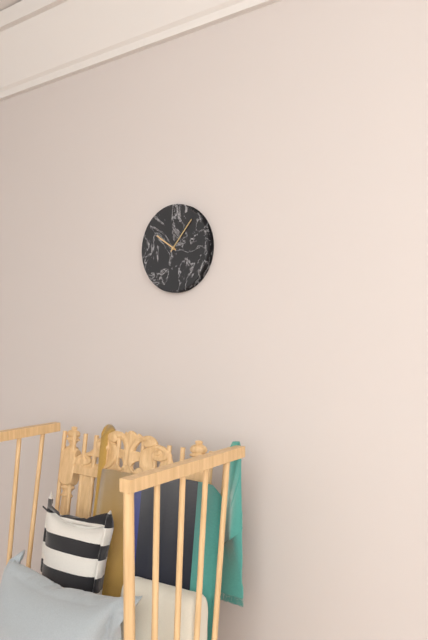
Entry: h=10 m=7
